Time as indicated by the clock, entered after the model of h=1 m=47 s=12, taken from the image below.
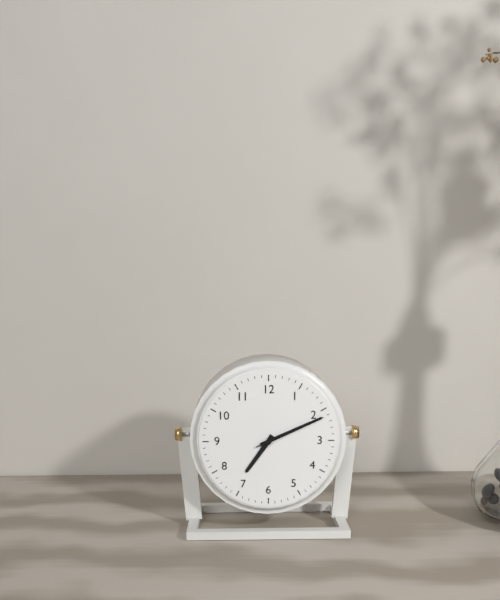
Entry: h=7 m=11 s=11
